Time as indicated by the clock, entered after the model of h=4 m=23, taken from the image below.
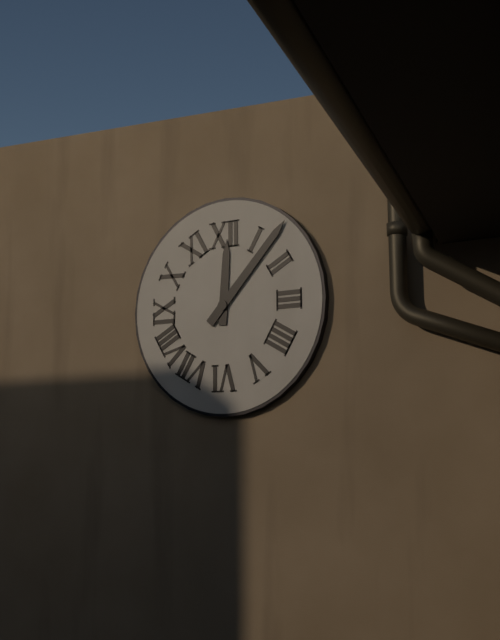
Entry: h=12 m=7
